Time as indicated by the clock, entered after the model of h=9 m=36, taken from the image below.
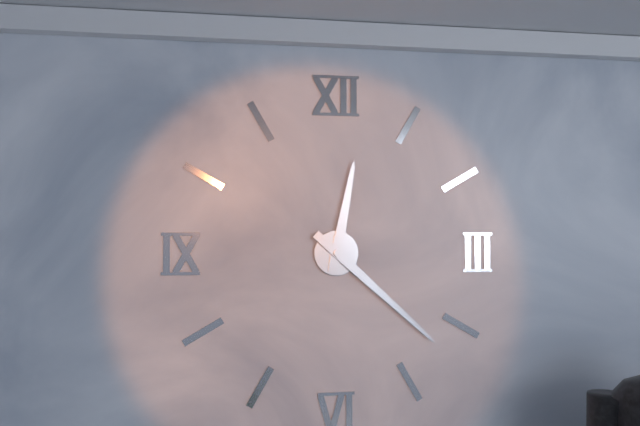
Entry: h=12 m=22
